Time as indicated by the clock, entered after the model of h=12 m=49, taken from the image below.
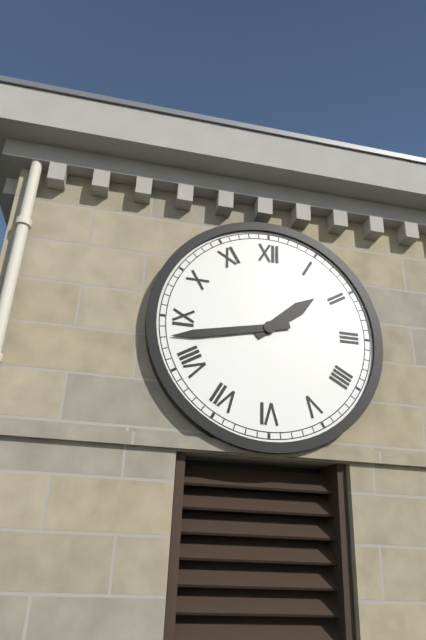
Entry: h=1 m=43
